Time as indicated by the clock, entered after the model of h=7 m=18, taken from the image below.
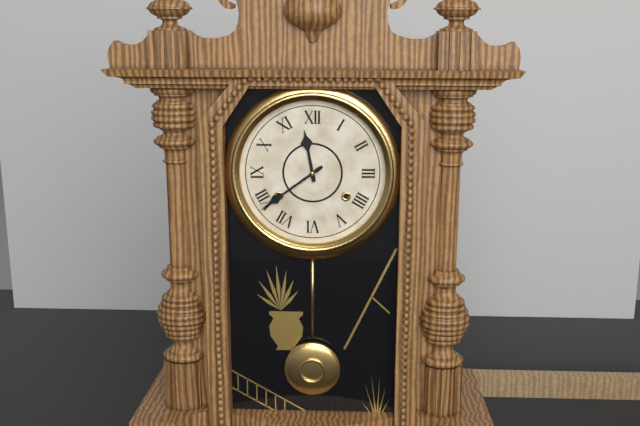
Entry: h=11 m=39
